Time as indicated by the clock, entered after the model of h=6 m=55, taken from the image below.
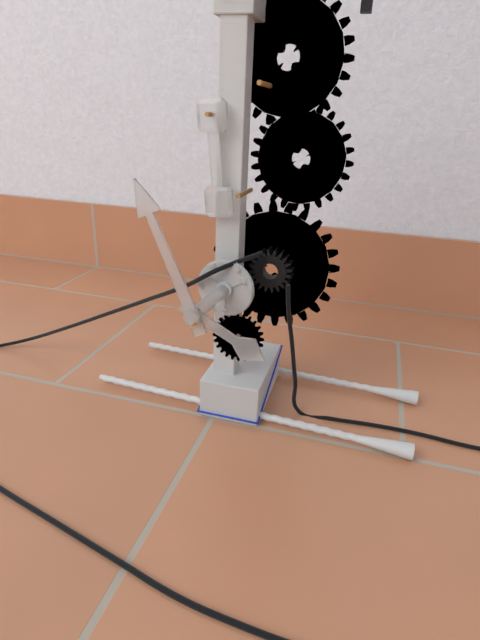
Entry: h=3 m=56
